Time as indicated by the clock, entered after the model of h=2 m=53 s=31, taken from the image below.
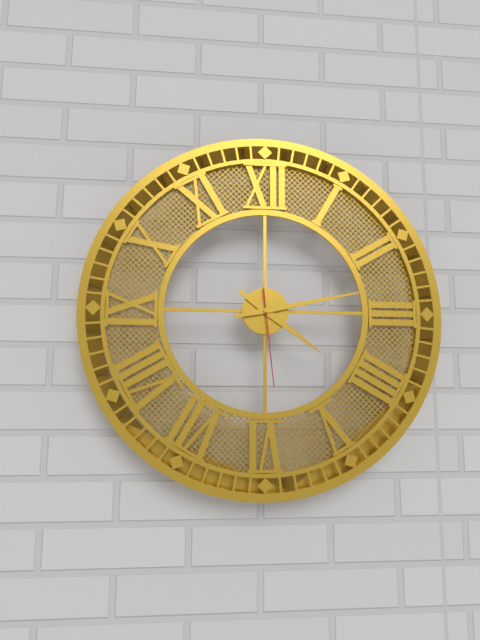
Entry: h=4 m=13 s=29
